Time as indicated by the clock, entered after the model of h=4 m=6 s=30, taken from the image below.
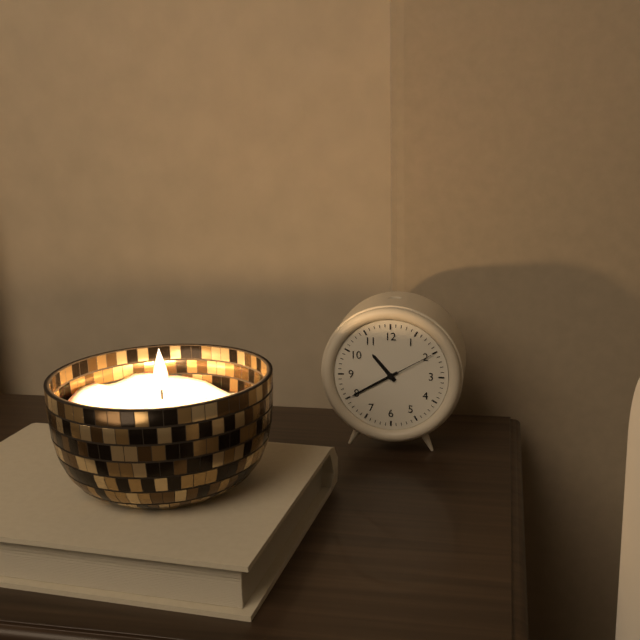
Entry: h=10 m=40 s=10
